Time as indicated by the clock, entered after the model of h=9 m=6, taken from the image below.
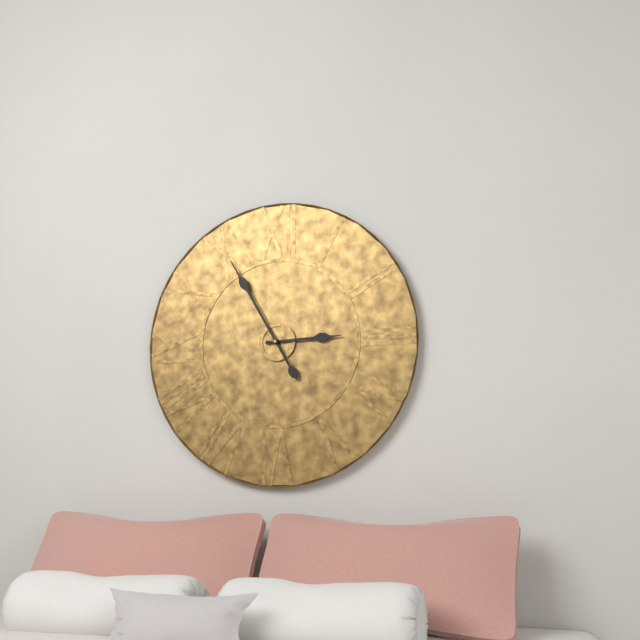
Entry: h=2 m=55
